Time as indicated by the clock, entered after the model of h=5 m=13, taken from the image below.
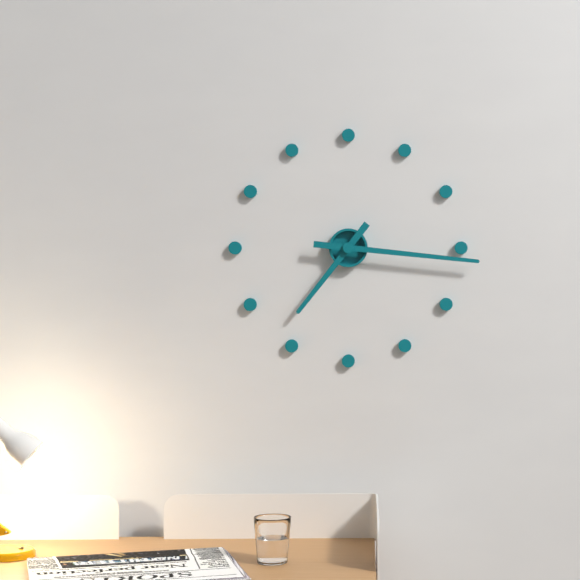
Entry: h=7 m=16
